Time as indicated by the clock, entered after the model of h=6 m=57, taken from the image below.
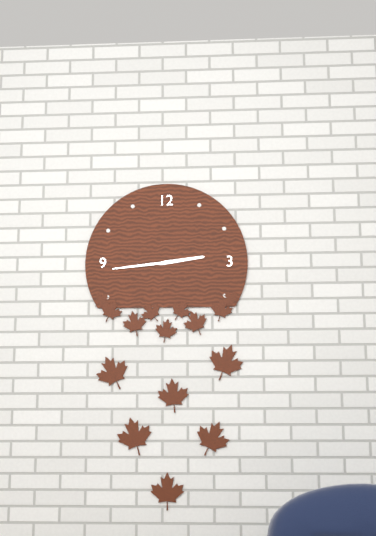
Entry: h=2 m=44
